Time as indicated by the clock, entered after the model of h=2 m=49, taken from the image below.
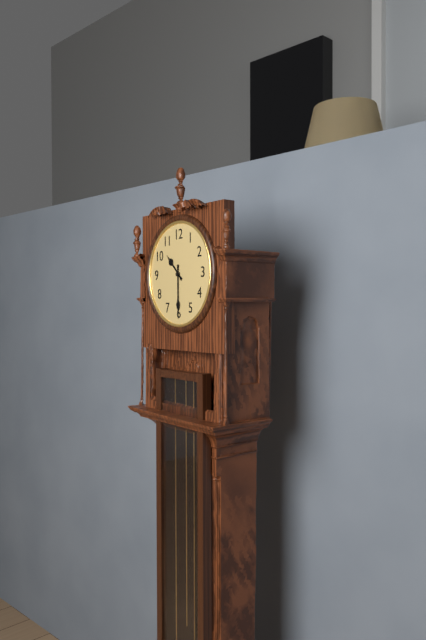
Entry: h=10 m=30
